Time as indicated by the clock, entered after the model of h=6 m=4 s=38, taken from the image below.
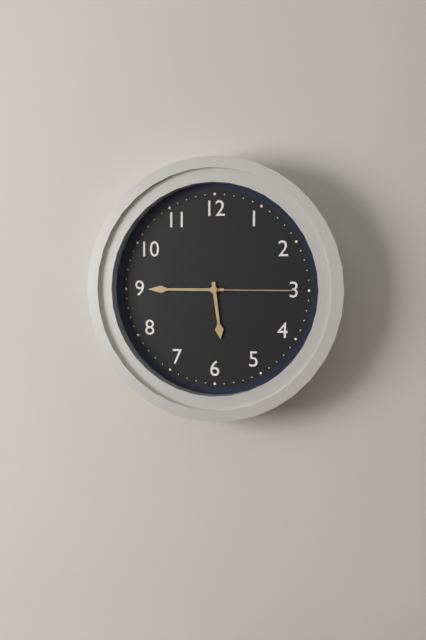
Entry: h=5 m=45 s=15
